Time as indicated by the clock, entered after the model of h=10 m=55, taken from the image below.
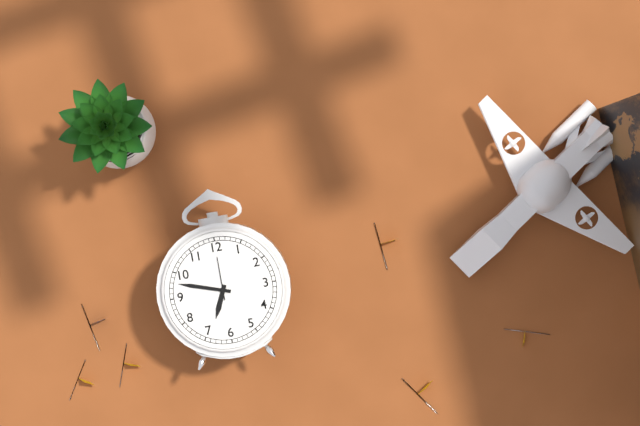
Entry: h=6 m=48
